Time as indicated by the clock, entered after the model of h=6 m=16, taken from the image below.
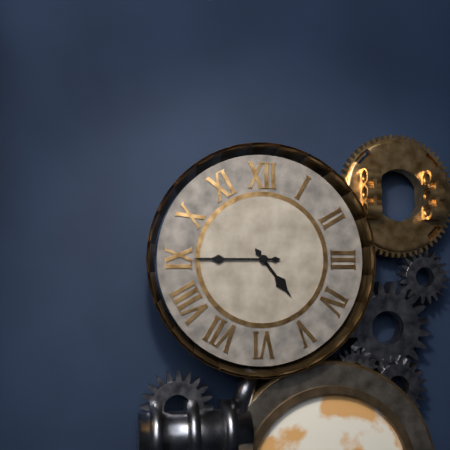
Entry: h=4 m=45
